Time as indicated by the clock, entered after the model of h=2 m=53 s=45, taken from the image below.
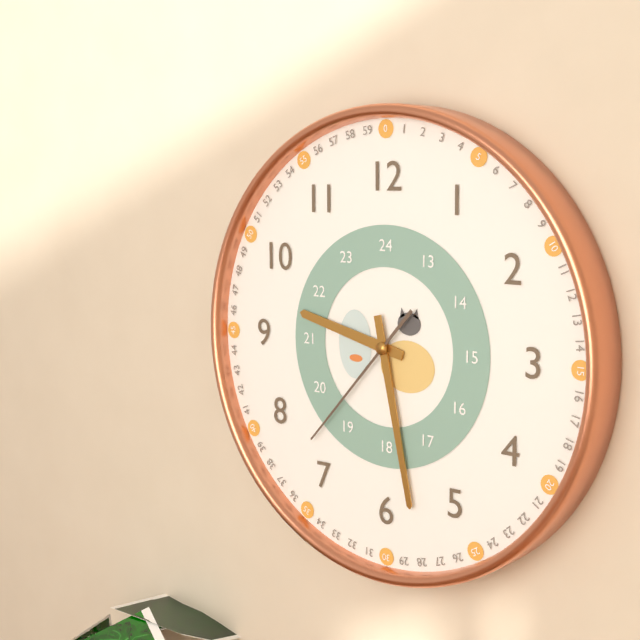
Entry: h=9 m=28 s=37
